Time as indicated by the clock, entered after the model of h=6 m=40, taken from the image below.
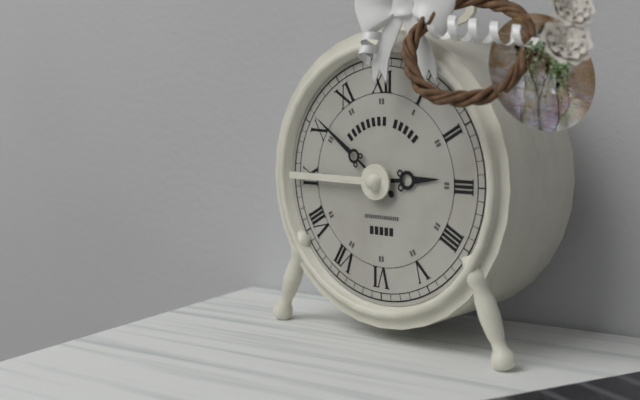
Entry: h=2 m=51
